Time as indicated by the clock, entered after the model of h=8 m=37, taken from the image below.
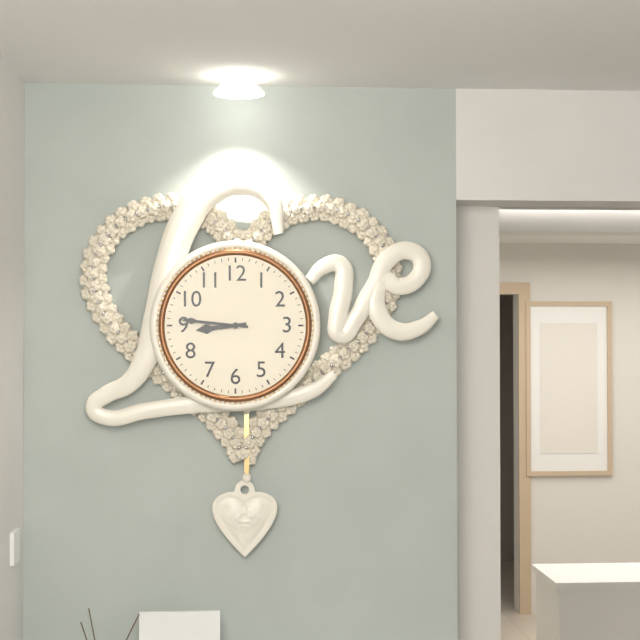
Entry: h=8 m=46
